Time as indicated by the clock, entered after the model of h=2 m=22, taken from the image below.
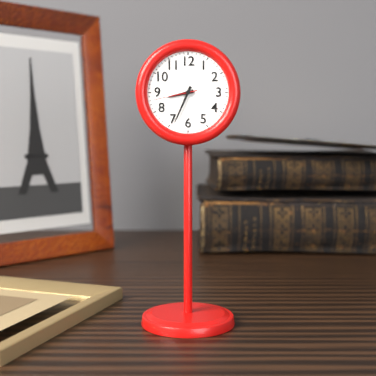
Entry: h=8 m=34
